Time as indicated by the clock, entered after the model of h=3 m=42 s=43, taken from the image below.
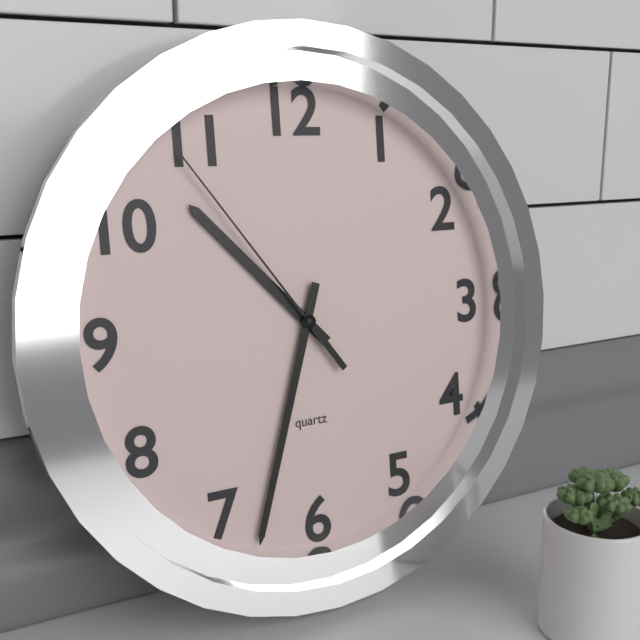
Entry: h=10 m=33 s=54
